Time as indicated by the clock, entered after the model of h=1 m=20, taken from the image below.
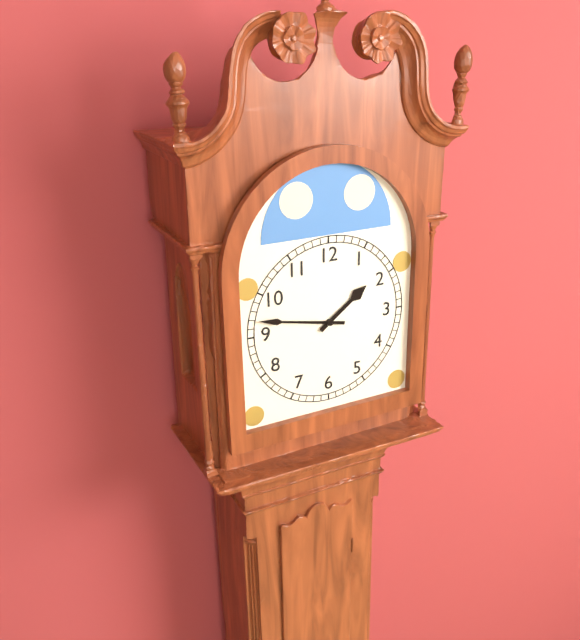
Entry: h=1 m=47
